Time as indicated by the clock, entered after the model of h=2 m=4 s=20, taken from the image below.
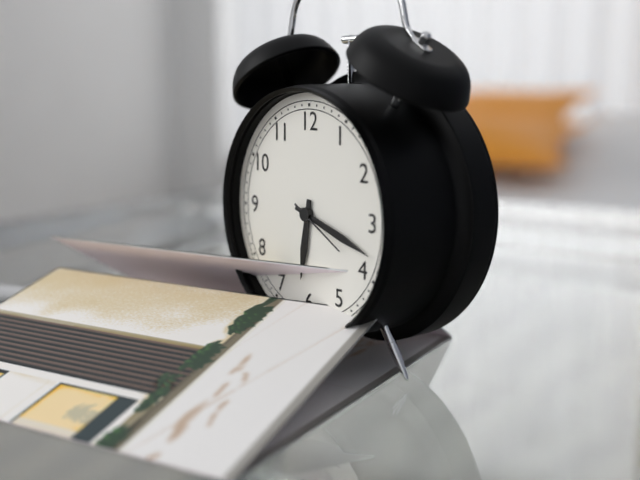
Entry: h=6 m=18 s=20
